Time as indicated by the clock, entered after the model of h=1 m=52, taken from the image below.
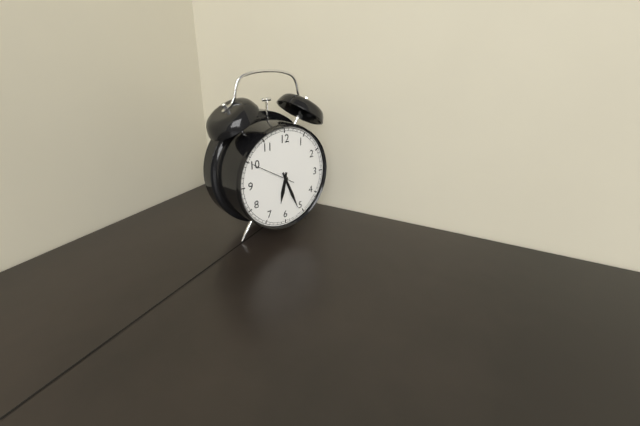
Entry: h=6 m=26
